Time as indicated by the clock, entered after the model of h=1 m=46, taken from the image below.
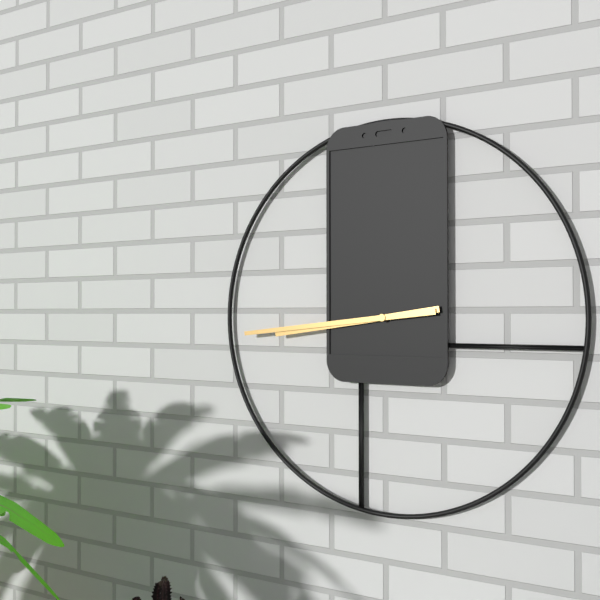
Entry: h=8 m=44
